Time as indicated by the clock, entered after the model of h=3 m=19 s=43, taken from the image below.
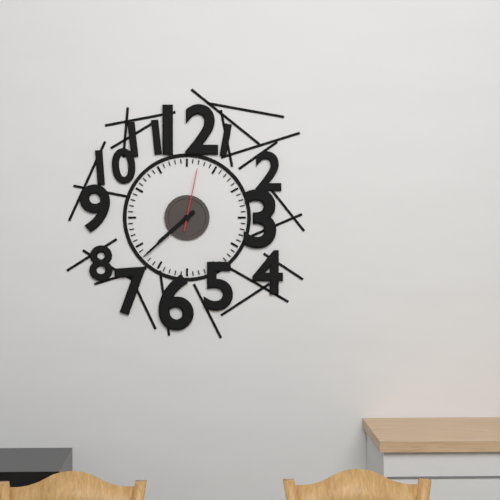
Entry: h=7 m=38 s=2
